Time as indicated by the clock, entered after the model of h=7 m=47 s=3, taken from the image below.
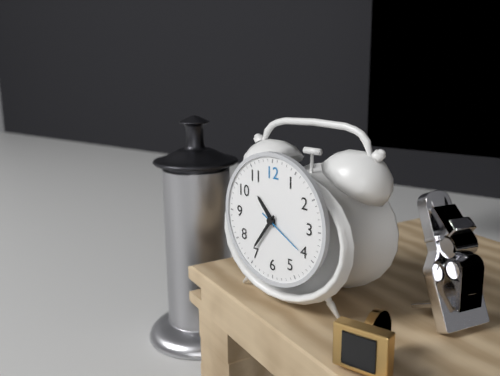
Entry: h=10 m=36 s=20
